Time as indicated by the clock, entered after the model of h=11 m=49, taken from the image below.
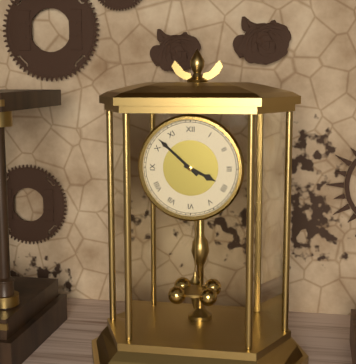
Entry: h=3 m=52
